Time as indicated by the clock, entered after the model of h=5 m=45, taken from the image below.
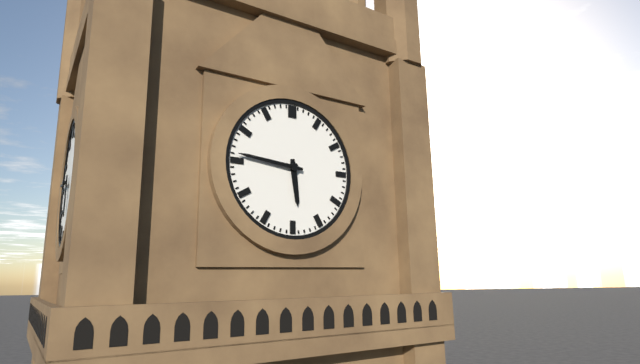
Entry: h=5 m=46
